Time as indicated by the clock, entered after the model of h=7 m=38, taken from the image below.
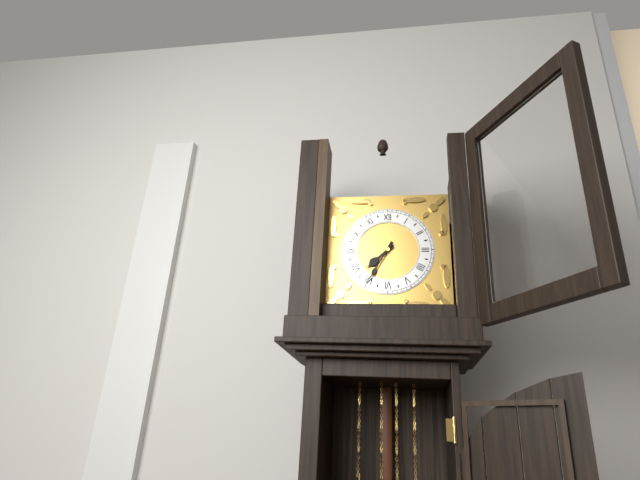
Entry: h=7 m=35
